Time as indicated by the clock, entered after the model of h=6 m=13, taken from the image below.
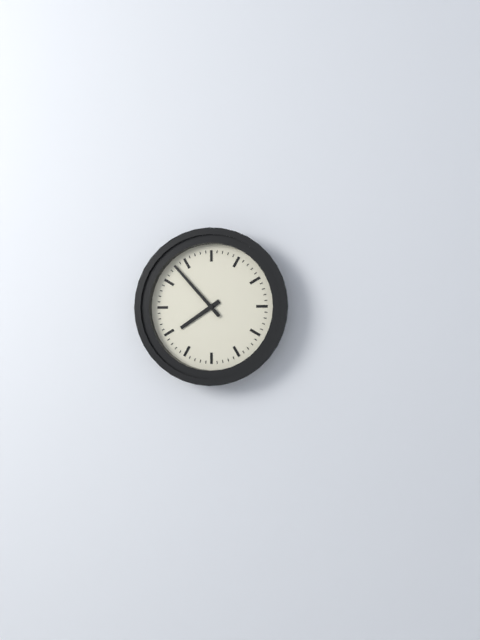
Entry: h=7 m=53
